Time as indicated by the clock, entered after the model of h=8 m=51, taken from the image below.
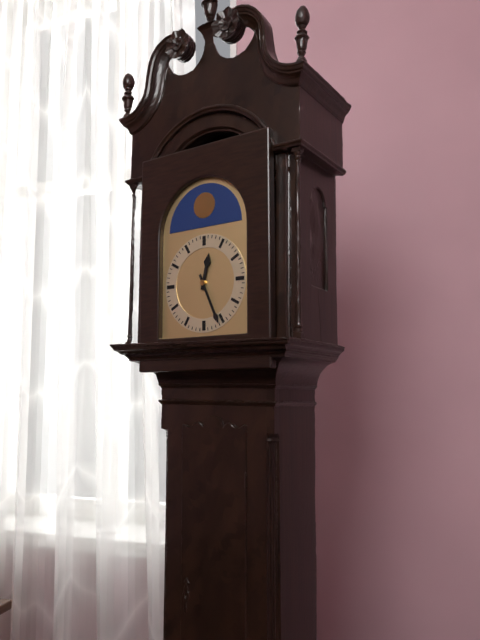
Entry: h=12 m=26
